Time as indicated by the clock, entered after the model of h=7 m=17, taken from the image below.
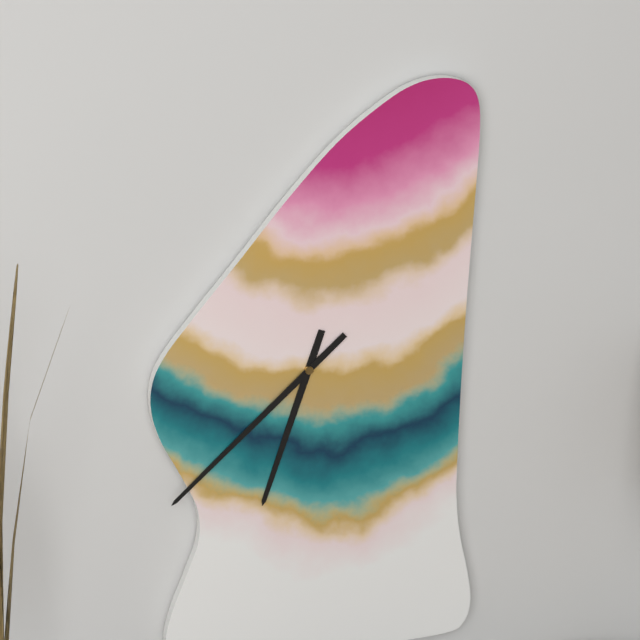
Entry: h=6 m=38
